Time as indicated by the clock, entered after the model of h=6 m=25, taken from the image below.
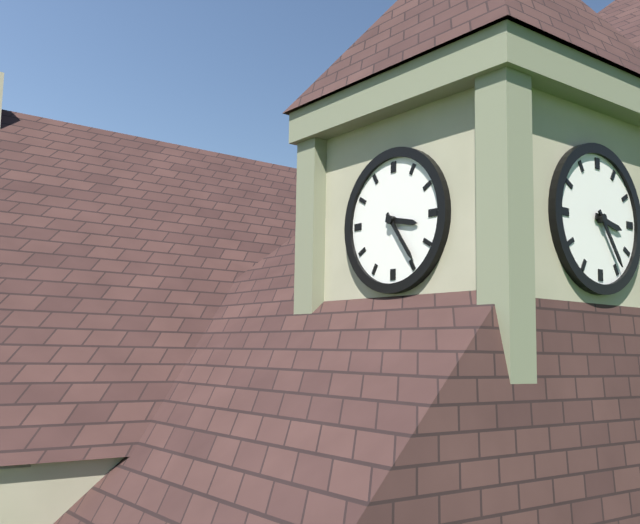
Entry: h=3 m=24
